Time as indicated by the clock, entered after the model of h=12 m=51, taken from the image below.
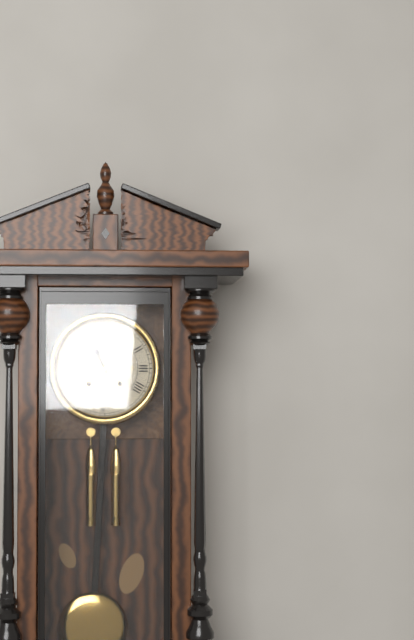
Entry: h=11 m=4
